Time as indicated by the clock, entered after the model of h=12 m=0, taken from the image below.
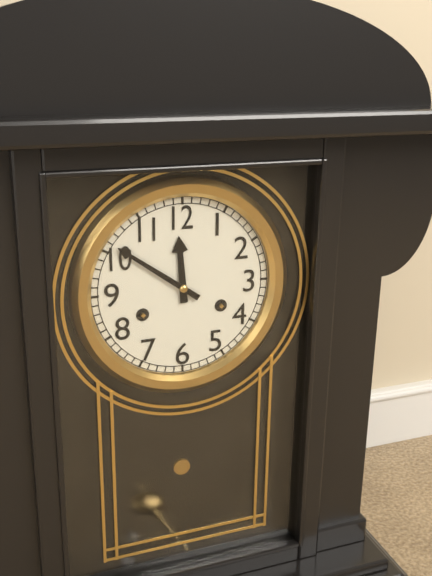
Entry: h=11 m=51
